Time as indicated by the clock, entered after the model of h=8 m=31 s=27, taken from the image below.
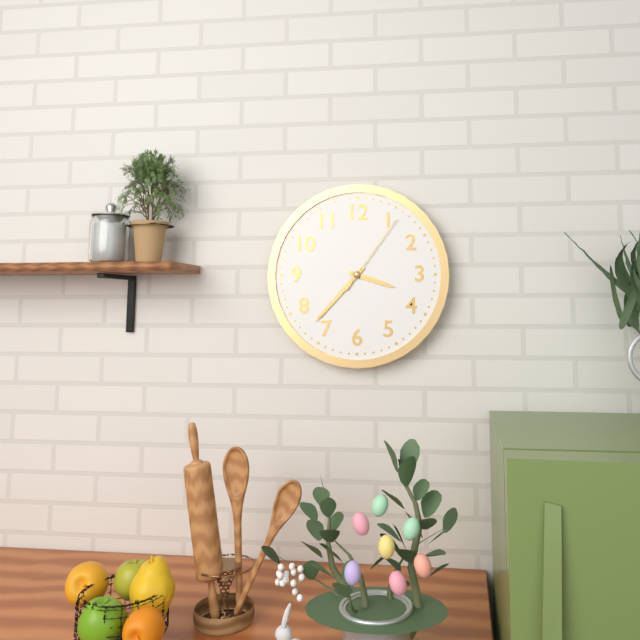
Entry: h=3 m=37 s=6
